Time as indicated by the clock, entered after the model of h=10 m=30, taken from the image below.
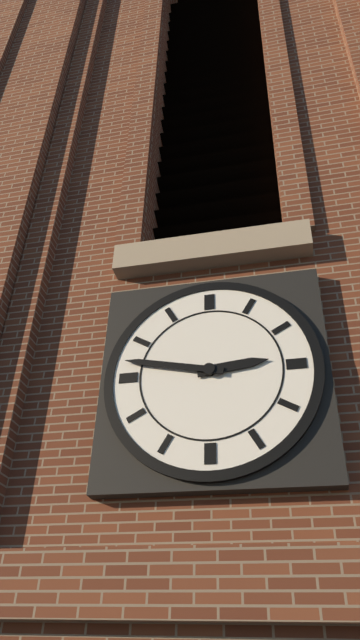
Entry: h=2 m=47
